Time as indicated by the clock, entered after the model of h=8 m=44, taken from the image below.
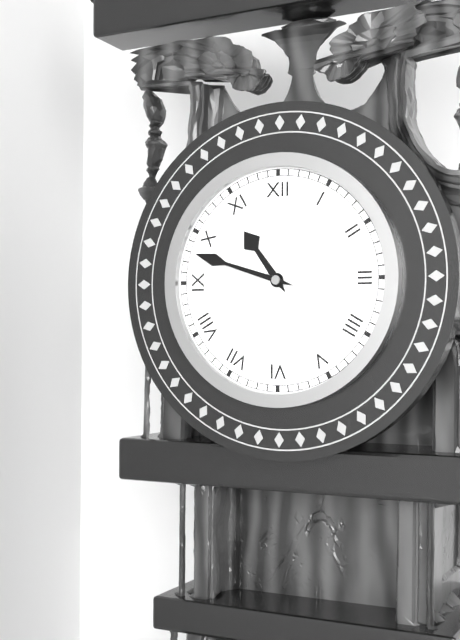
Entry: h=10 m=48
